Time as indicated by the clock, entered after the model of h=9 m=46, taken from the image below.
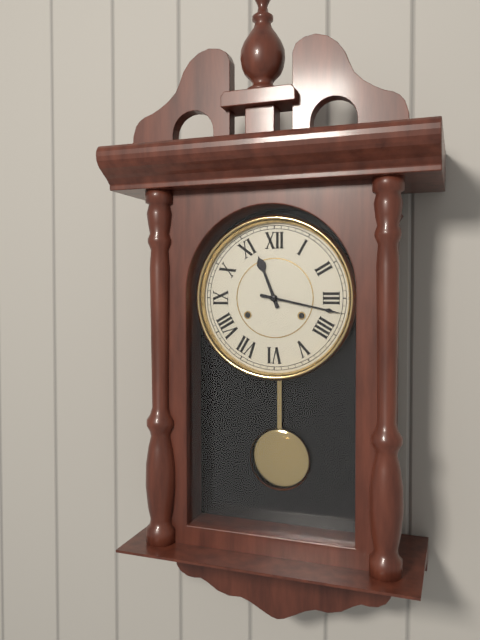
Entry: h=11 m=17
